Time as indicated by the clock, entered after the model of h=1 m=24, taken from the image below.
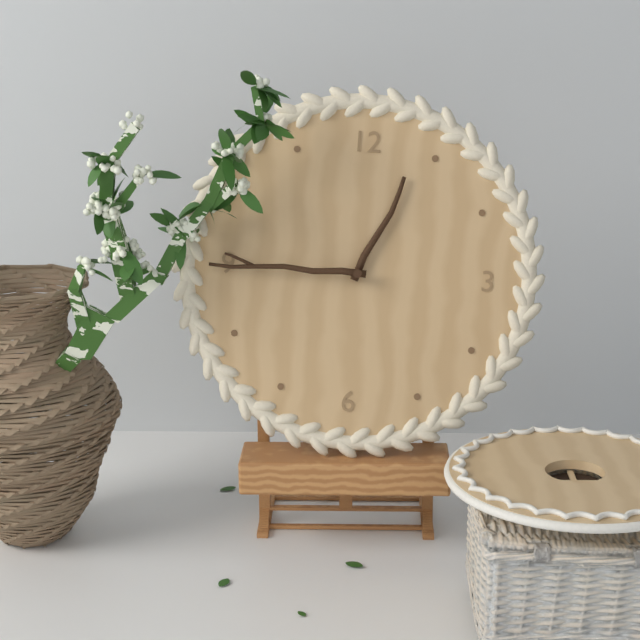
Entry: h=12 m=45
